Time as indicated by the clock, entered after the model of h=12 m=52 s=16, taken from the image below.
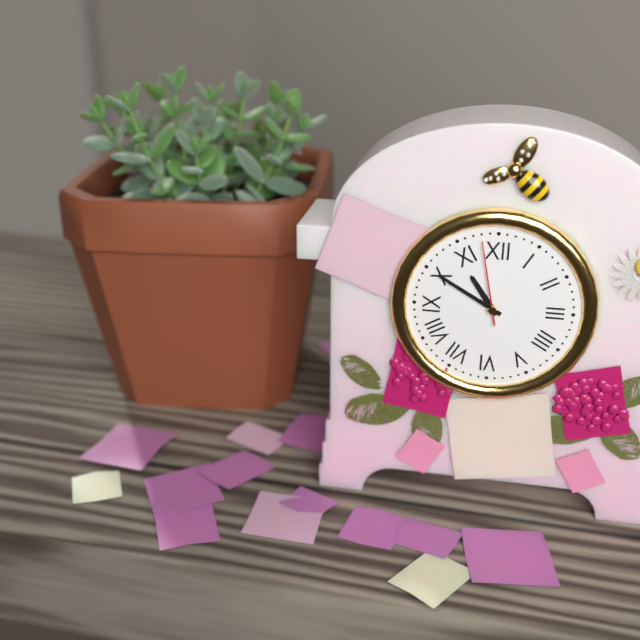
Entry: h=10 m=50 s=58
